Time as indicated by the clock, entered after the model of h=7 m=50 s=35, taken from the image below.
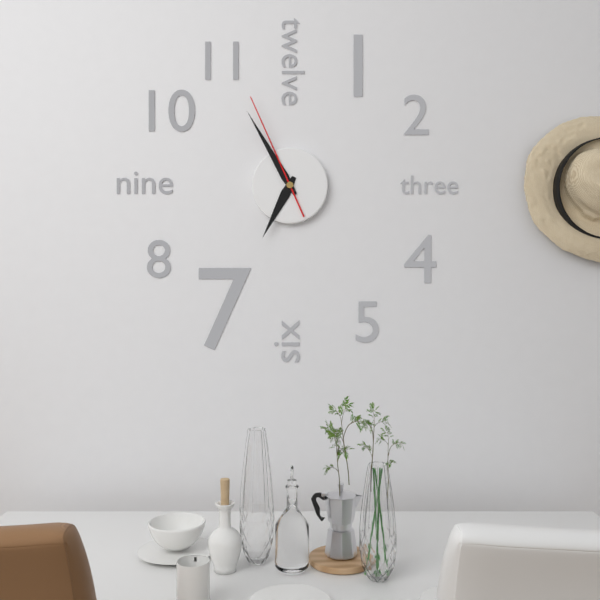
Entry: h=6 m=55 s=56
